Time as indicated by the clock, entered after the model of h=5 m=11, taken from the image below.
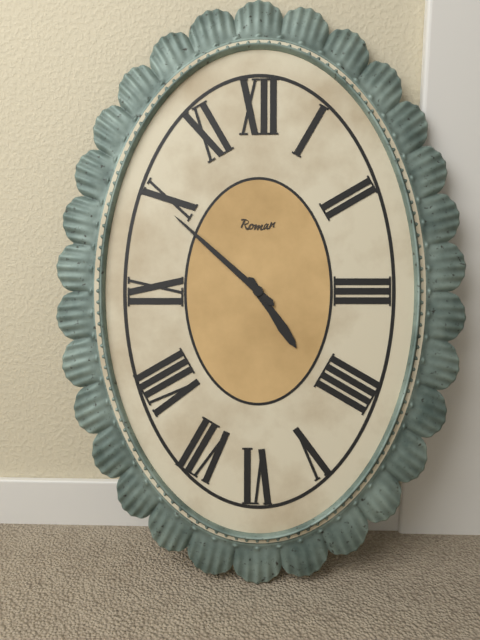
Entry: h=4 m=52
